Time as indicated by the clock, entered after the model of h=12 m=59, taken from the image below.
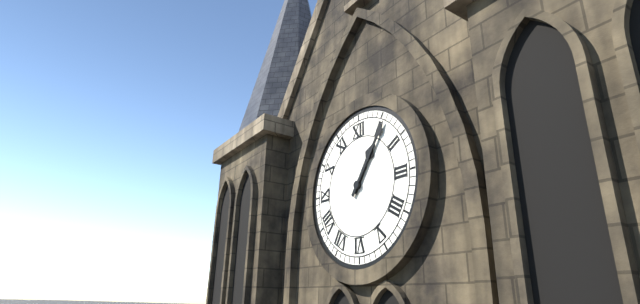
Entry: h=1 m=6
